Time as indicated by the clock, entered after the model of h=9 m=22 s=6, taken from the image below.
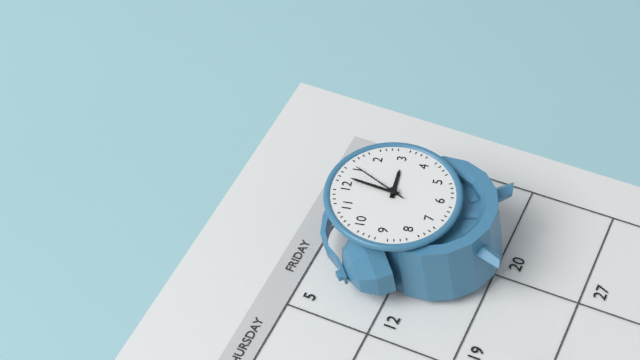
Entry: h=3 m=2 s=5
